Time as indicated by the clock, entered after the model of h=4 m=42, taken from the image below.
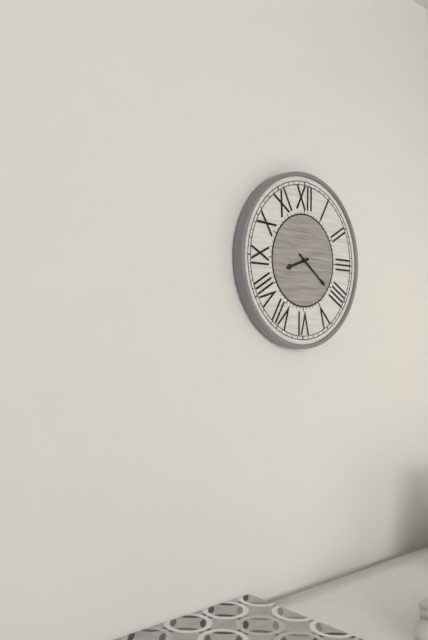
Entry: h=8 m=21
